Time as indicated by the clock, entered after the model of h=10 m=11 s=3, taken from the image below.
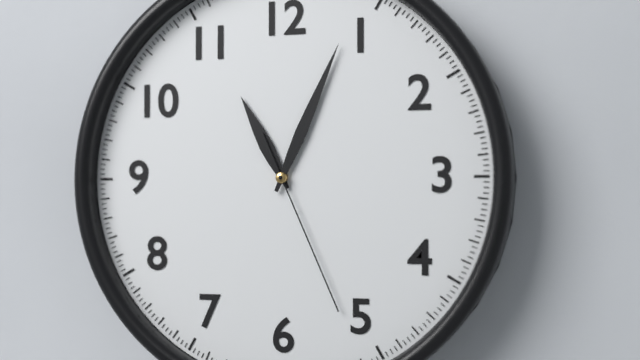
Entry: h=11 m=4 s=26
